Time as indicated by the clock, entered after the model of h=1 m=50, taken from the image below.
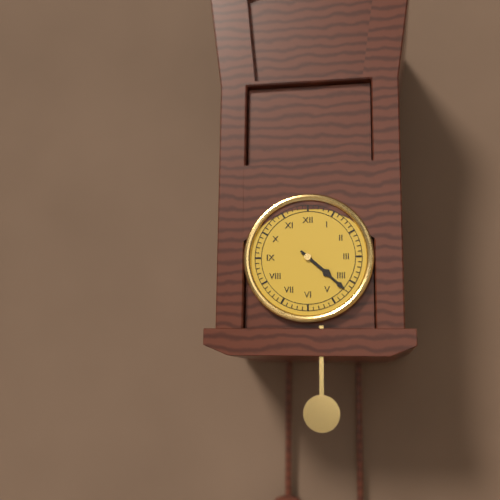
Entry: h=4 m=22
